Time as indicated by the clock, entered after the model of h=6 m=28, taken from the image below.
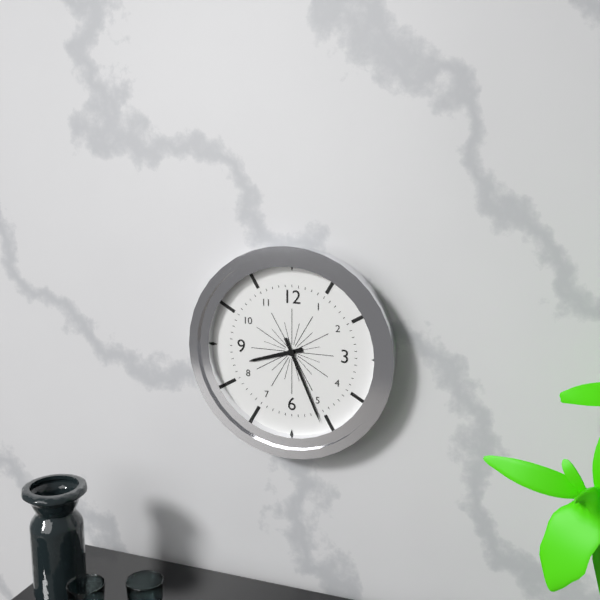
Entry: h=8 m=26
